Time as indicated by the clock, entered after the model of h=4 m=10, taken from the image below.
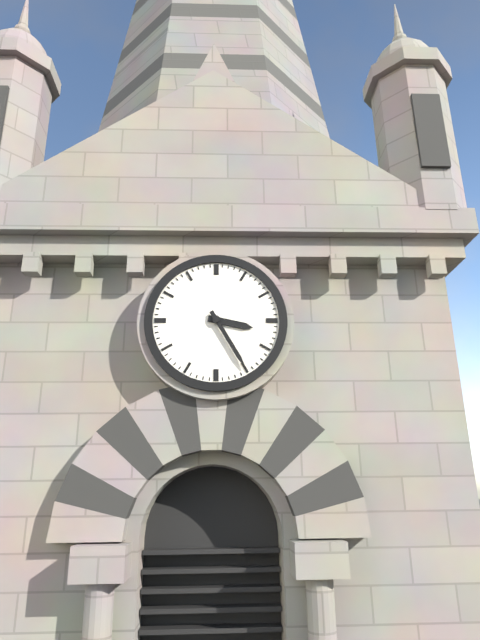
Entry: h=3 m=25
